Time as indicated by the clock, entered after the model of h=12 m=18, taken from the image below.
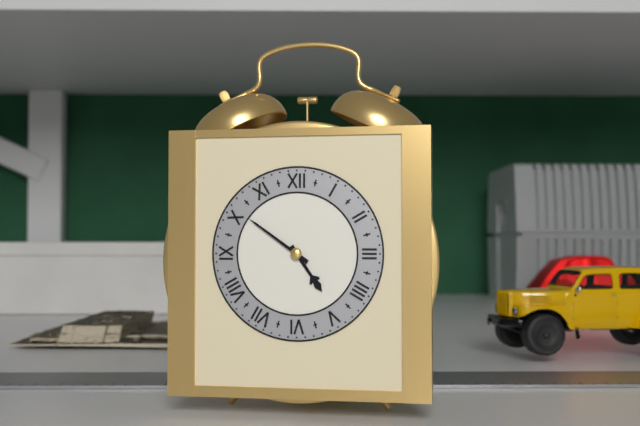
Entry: h=4 m=51
